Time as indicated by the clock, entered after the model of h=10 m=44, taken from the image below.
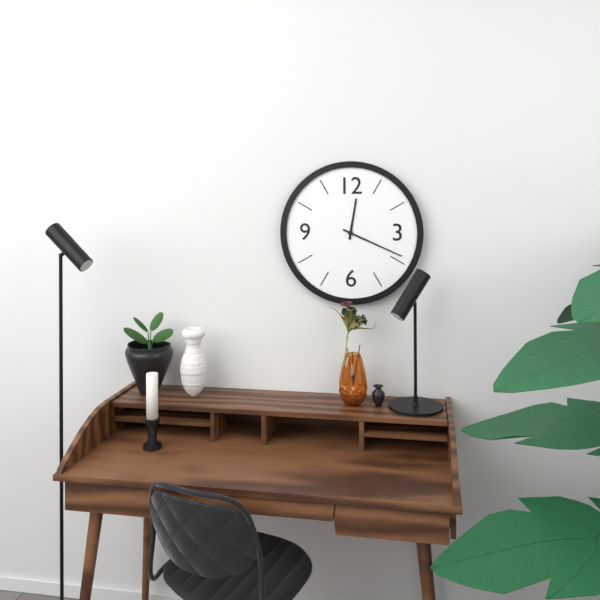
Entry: h=12 m=19
